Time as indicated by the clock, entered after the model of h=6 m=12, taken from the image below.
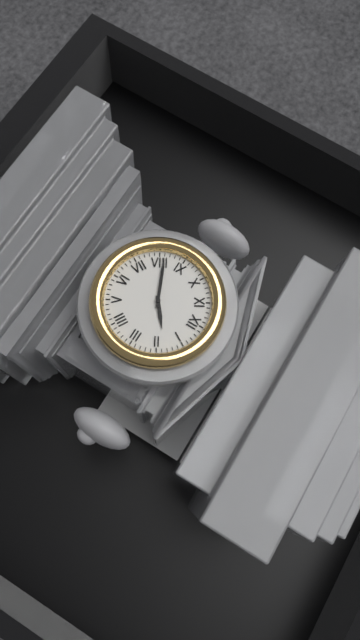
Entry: h=1 m=41
